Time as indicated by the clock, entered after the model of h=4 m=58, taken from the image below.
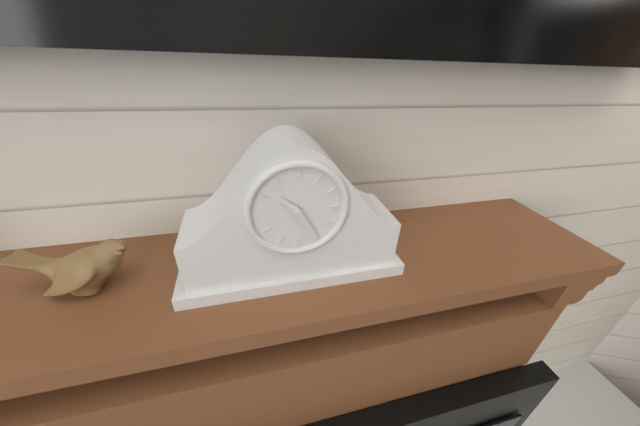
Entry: h=10 m=25
